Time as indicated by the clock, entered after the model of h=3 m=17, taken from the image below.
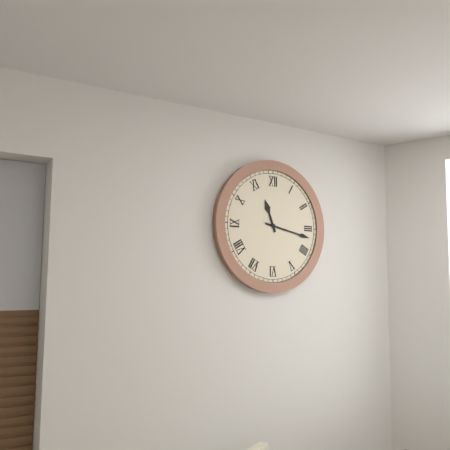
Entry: h=11 m=17
